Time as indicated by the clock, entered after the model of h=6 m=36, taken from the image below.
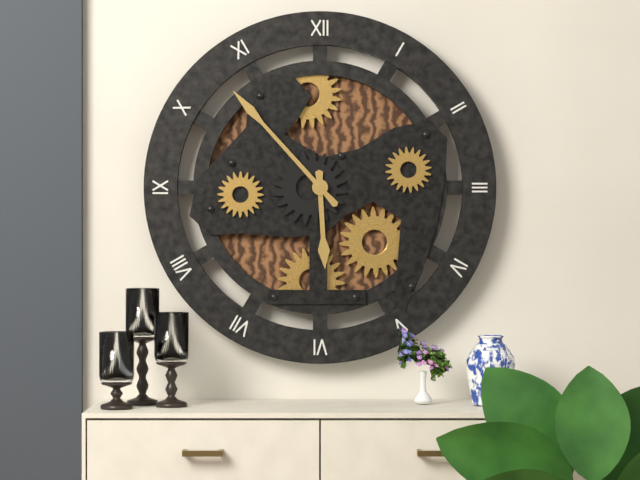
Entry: h=5 m=53
